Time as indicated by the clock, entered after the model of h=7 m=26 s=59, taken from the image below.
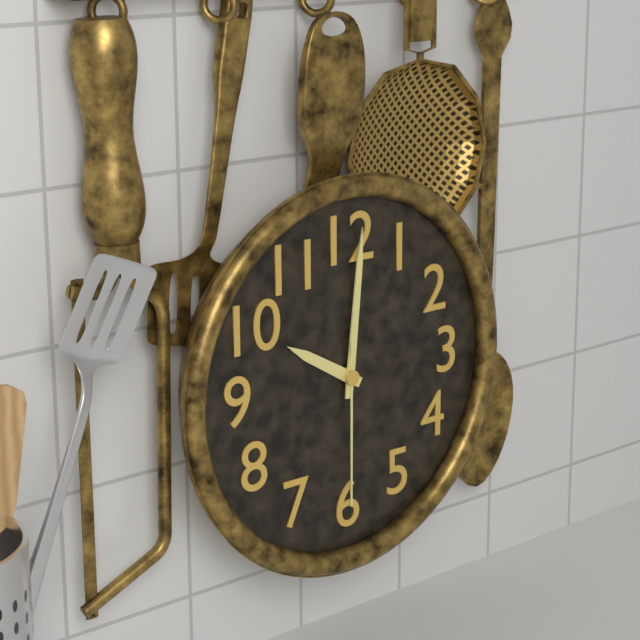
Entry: h=10 m=1 s=30
